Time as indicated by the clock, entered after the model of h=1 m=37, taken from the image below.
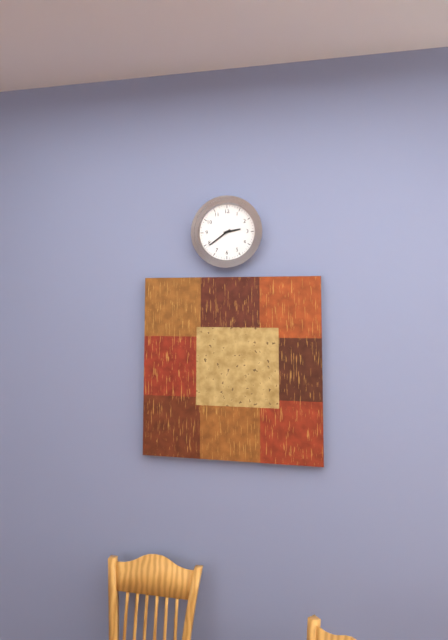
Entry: h=2 m=39
